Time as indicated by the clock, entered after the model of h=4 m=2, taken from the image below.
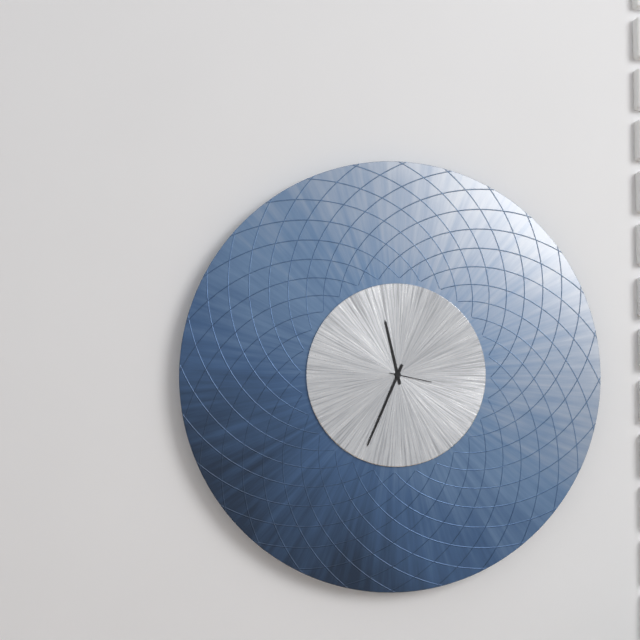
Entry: h=11 m=34
